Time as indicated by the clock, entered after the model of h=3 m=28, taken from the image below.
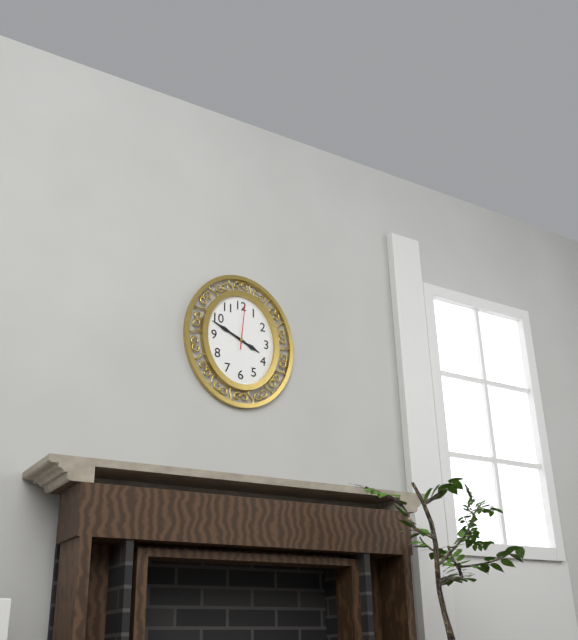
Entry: h=3 m=49
